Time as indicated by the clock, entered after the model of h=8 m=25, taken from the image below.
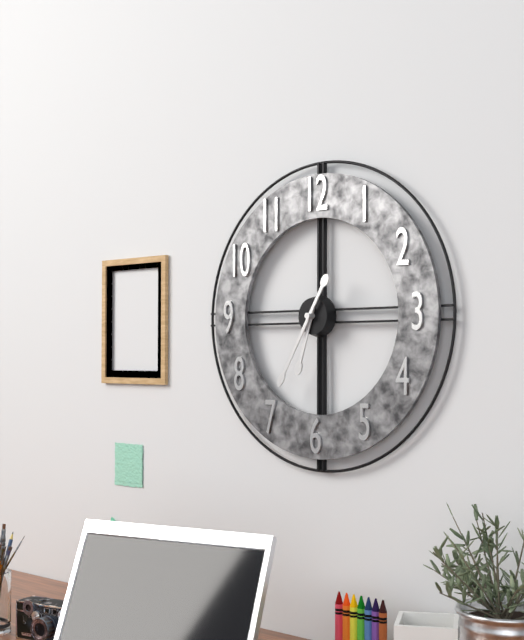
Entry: h=6 m=35
